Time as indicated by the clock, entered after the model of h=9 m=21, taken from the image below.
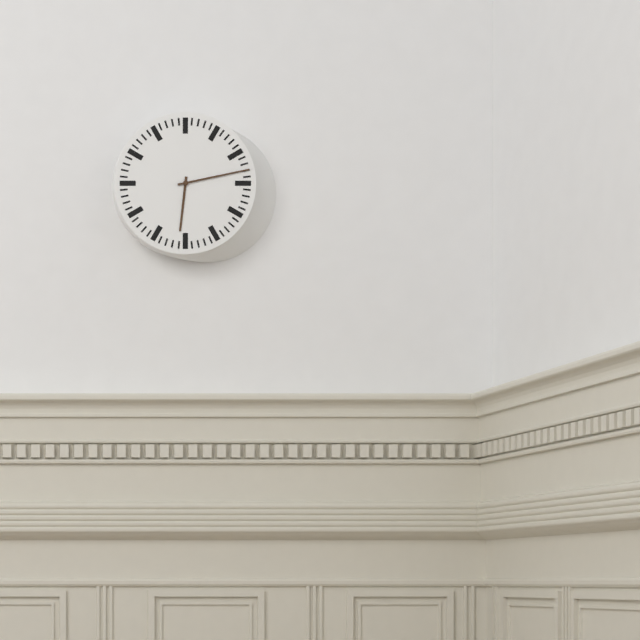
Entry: h=6 m=13
